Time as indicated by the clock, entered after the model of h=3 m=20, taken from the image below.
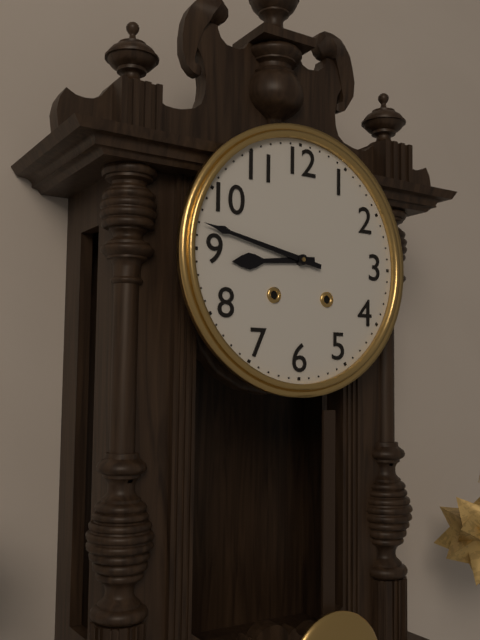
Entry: h=8 m=47
